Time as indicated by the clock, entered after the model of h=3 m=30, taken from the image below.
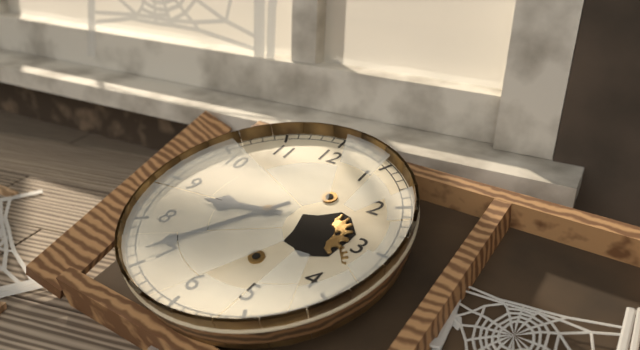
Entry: h=8 m=36
